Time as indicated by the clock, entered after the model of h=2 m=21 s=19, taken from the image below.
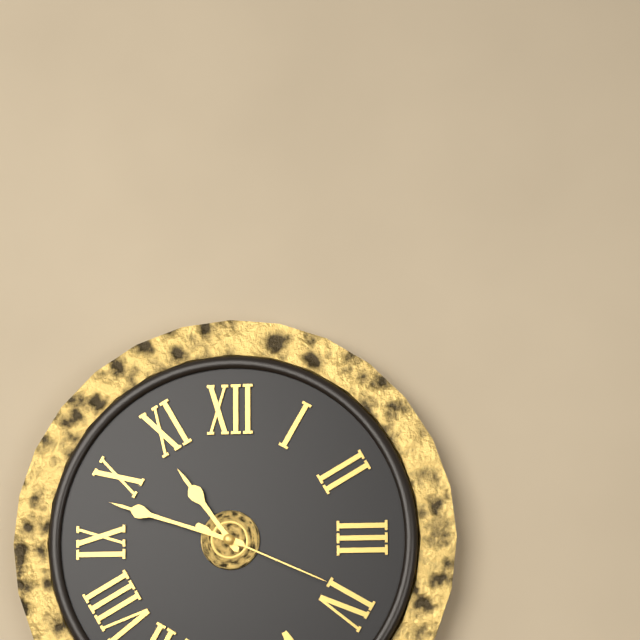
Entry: h=10 m=48 s=19
